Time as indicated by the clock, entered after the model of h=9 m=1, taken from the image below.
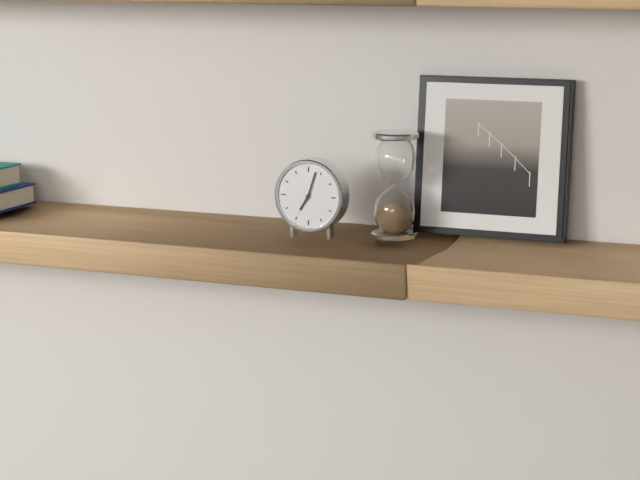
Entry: h=7 m=3
